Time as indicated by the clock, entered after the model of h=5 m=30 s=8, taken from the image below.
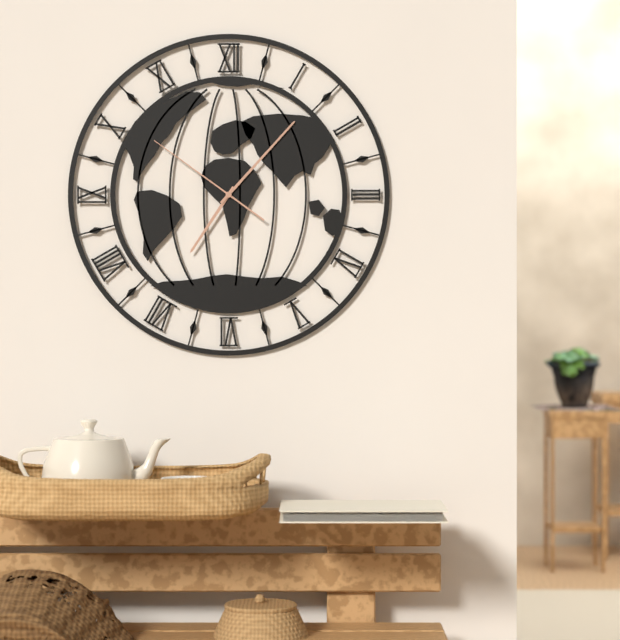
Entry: h=7 m=7 s=51
